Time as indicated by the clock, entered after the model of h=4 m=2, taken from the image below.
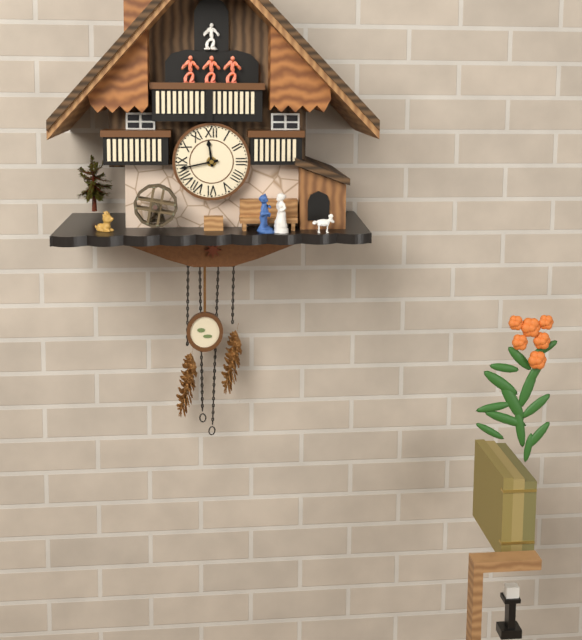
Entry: h=11 m=43
